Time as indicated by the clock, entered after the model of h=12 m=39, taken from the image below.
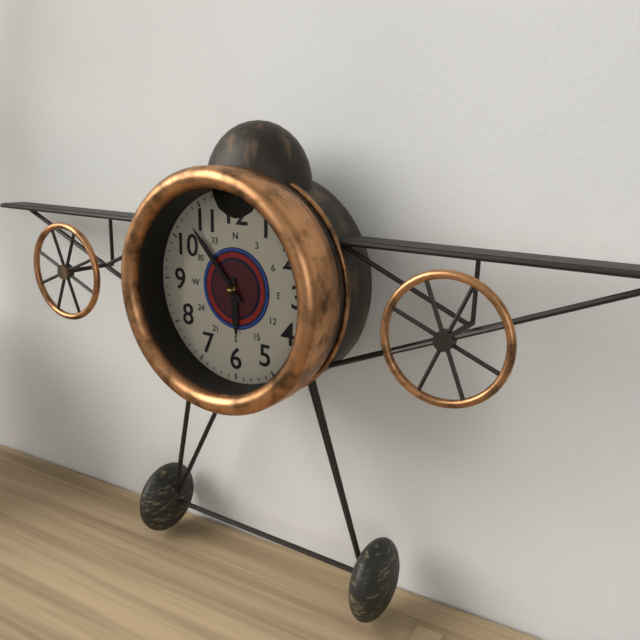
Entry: h=5 m=53
